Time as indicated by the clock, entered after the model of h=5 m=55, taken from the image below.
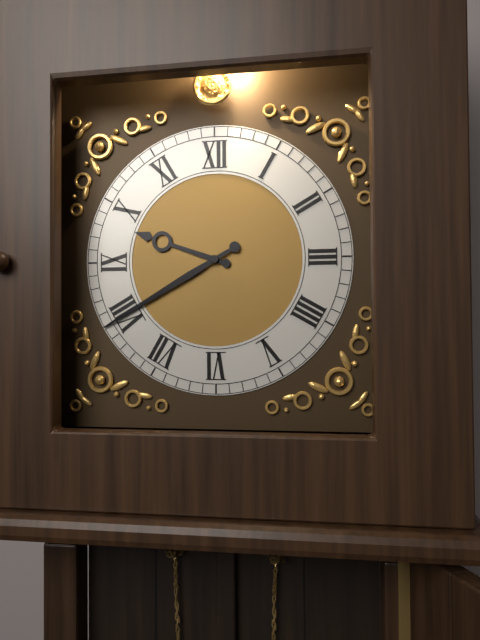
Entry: h=9 m=40
